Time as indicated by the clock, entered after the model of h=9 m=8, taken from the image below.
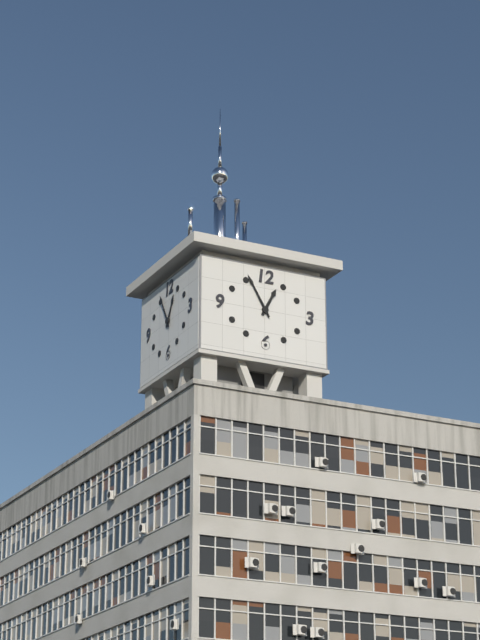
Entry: h=12 m=55
